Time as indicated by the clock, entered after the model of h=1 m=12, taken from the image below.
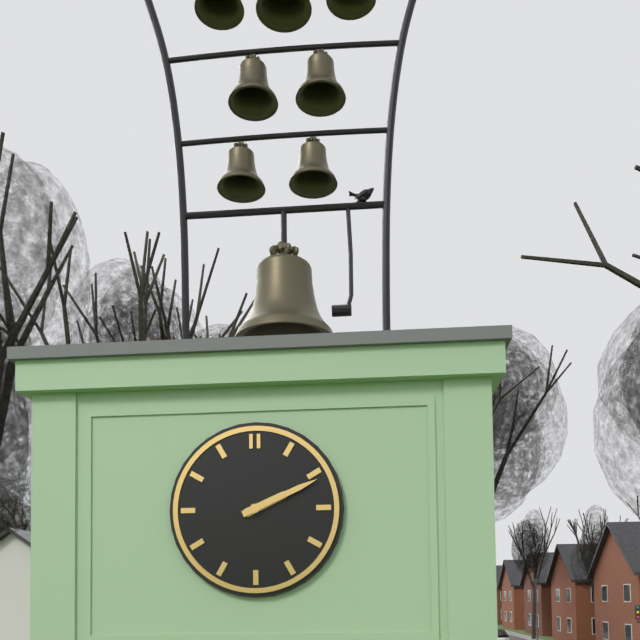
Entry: h=2 m=11
